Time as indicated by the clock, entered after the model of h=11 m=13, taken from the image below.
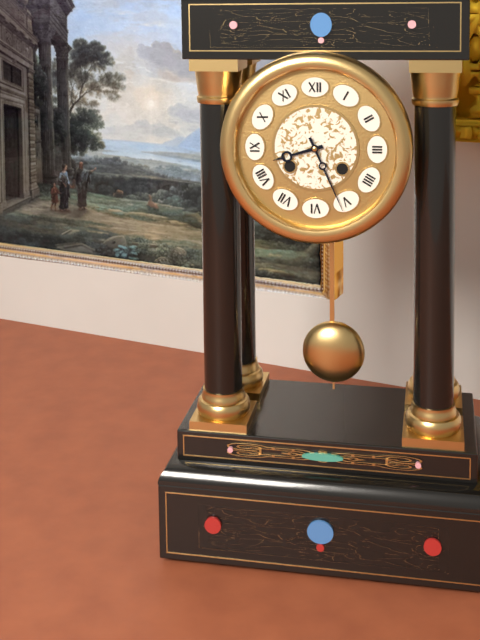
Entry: h=8 m=26
